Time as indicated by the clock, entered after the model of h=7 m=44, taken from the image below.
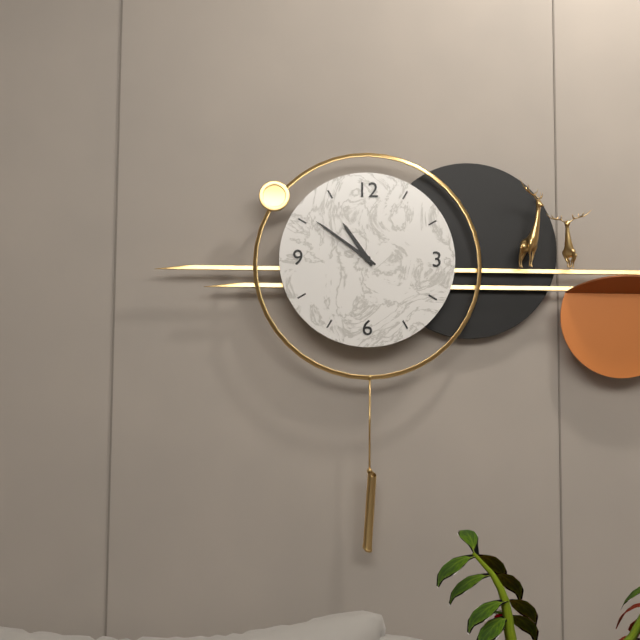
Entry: h=10 m=51
